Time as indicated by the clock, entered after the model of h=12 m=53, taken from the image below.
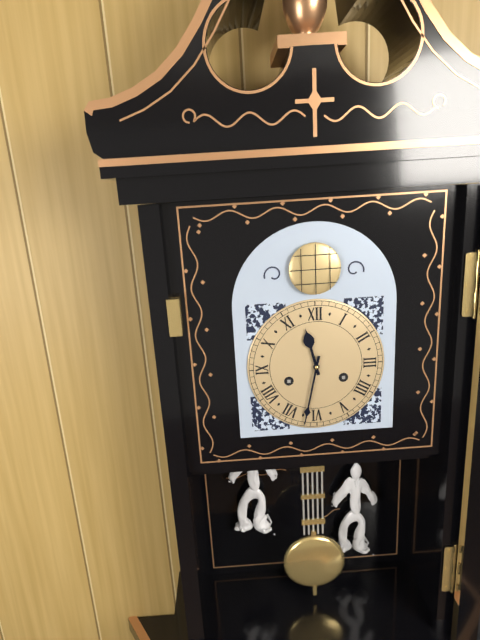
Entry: h=11 m=32
